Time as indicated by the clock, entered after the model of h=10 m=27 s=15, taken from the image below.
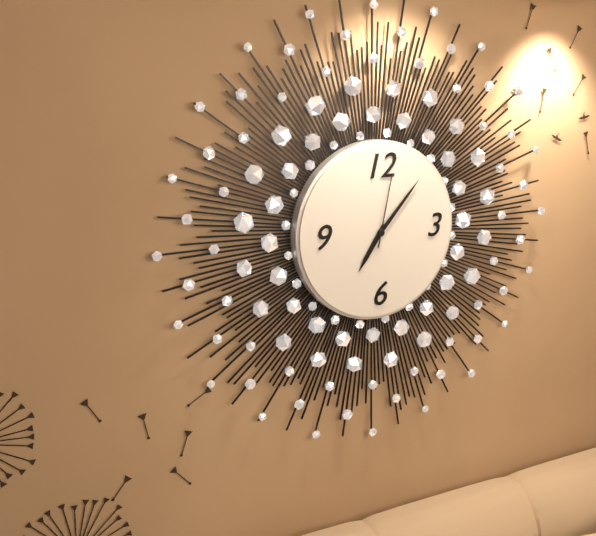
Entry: h=7 m=7 s=2
